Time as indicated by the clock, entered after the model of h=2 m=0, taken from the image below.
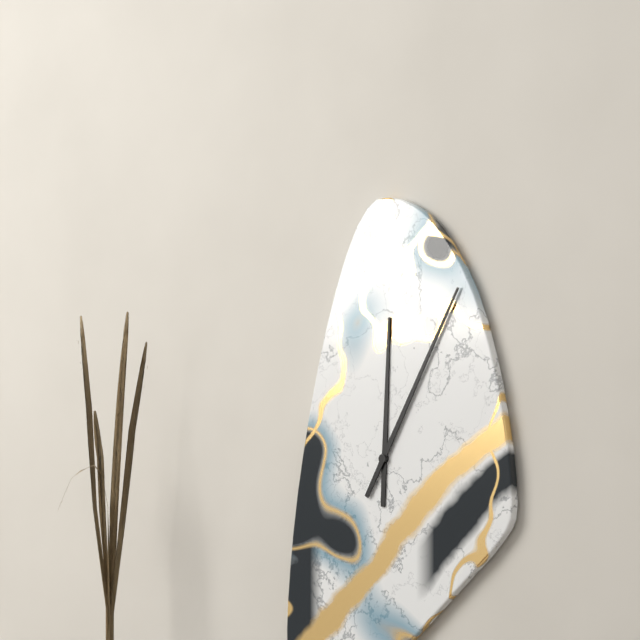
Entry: h=12 m=5
